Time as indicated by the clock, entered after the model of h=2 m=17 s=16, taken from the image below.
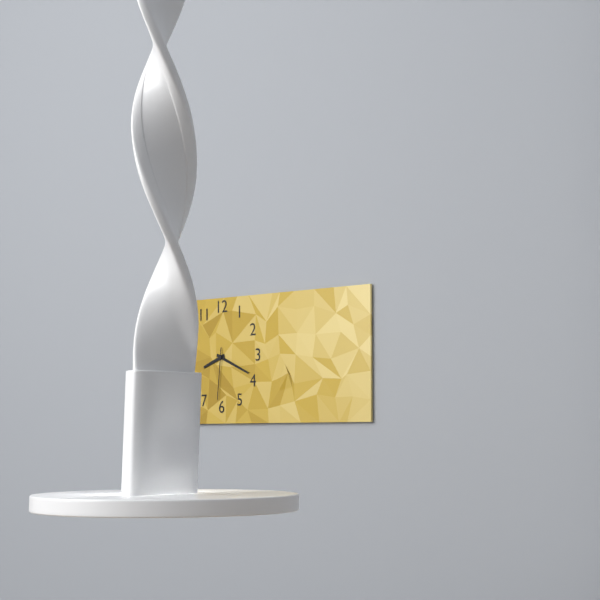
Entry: h=8 m=19 s=31
